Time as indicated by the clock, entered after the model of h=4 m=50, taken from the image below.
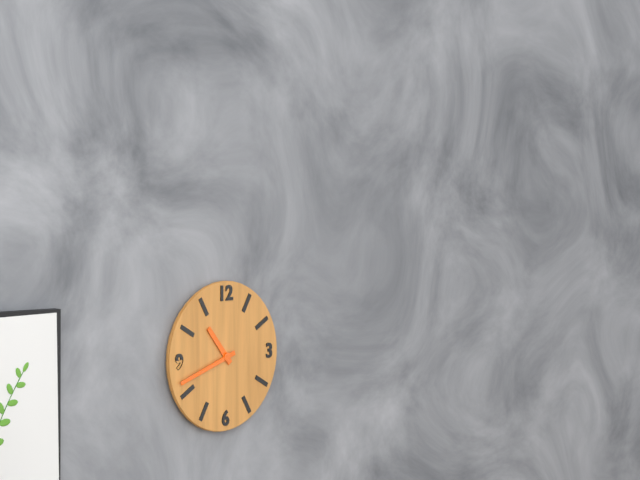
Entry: h=10 m=42
